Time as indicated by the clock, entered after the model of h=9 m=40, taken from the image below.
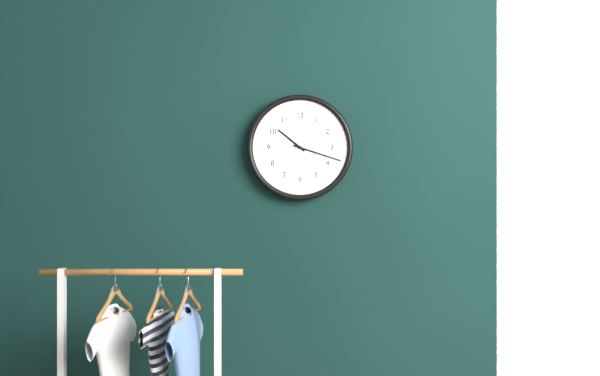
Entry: h=10 m=18
